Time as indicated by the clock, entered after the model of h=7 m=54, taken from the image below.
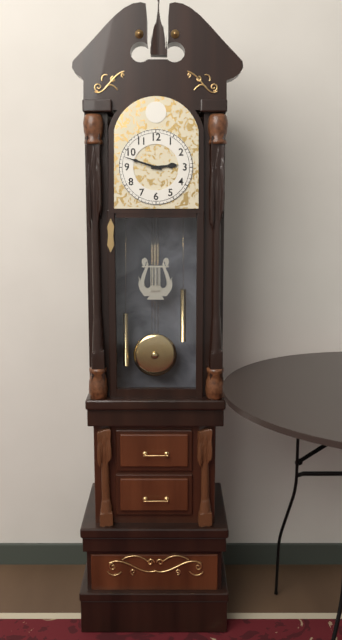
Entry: h=2 m=48
